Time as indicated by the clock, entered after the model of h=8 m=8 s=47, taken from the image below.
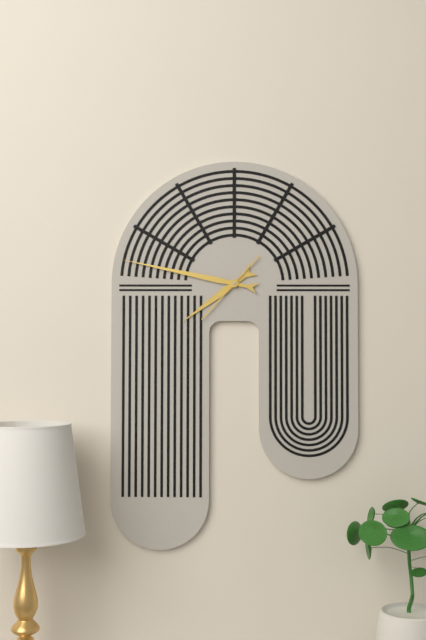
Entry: h=7 m=47 s=37
